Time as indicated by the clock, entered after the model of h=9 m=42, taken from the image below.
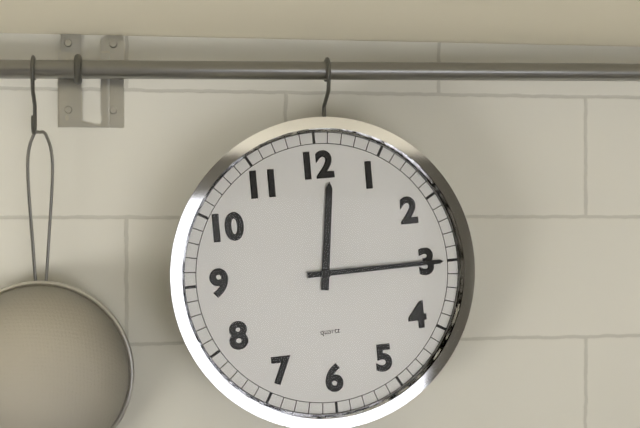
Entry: h=12 m=15
